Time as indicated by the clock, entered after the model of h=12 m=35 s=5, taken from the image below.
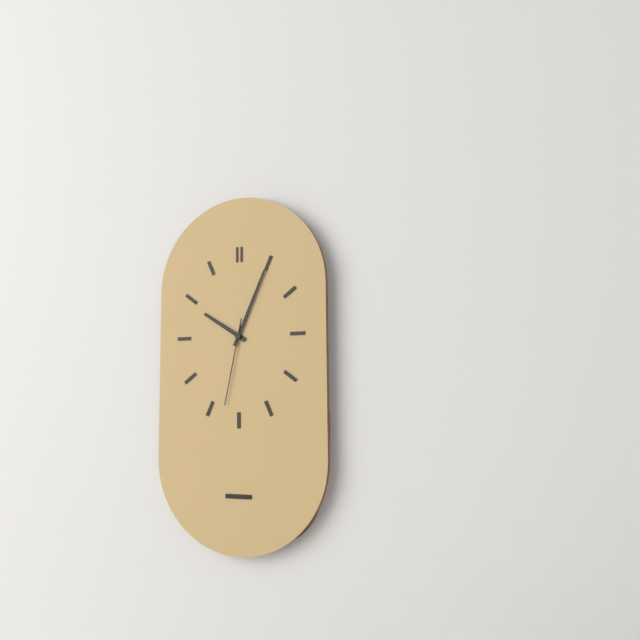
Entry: h=10 m=4 s=32
